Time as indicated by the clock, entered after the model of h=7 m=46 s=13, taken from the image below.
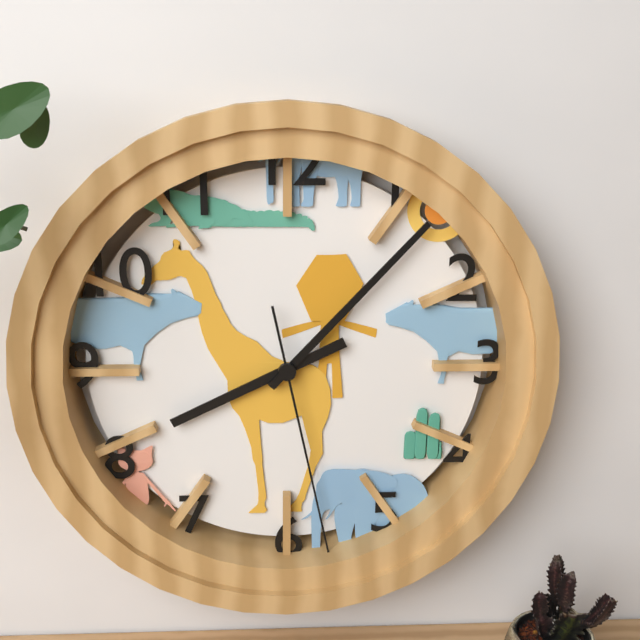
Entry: h=8 m=7 s=28
